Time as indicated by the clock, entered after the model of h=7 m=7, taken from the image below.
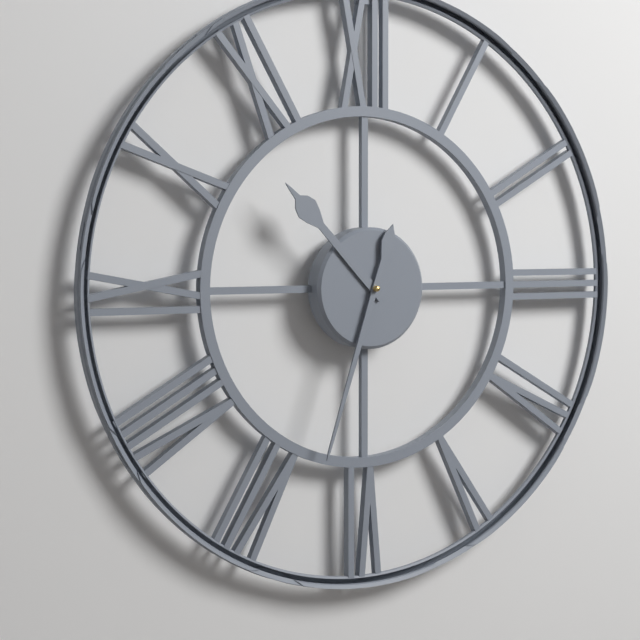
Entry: h=10 m=33
